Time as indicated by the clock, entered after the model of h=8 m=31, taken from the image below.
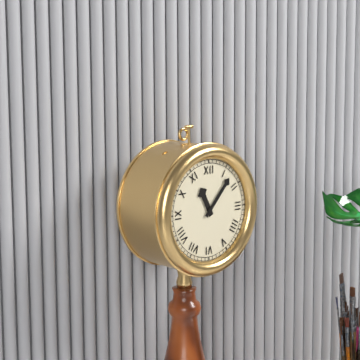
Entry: h=11 m=7
